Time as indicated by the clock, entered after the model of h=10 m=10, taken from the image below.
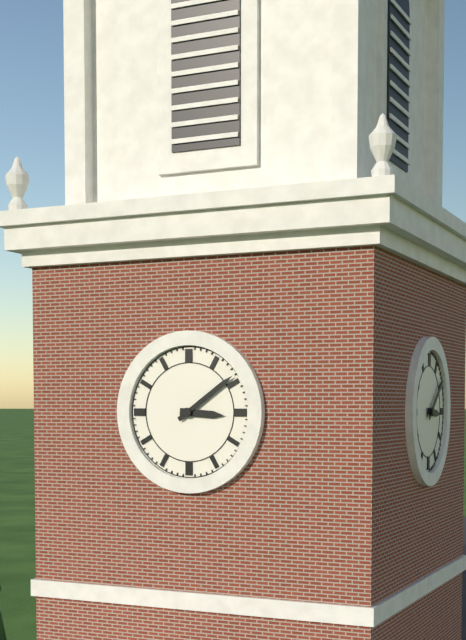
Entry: h=3 m=9
